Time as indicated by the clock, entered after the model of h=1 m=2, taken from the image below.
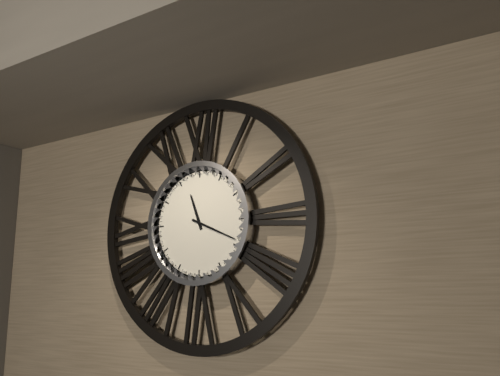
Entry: h=11 m=19
